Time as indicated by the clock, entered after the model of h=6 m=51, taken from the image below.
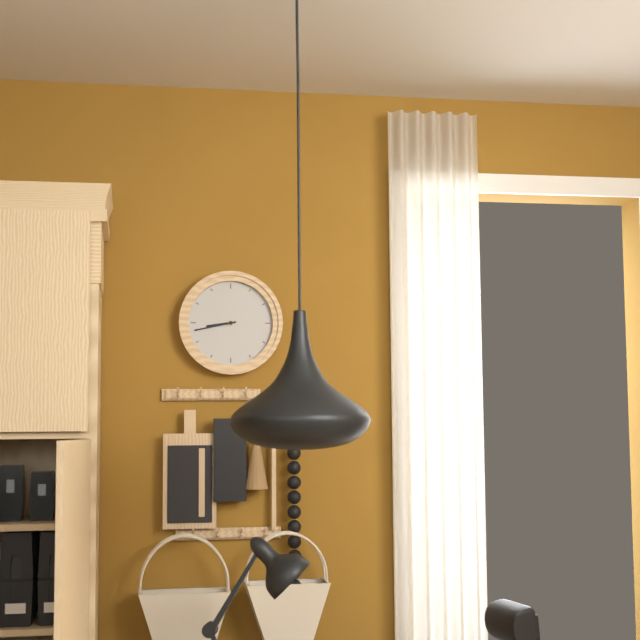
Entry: h=8 m=43
